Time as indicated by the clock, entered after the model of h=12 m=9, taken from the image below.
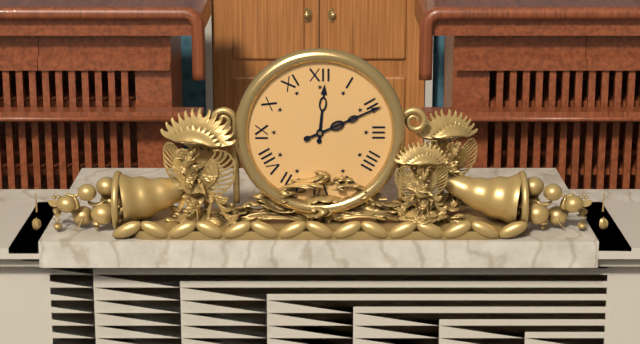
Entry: h=12 m=11
